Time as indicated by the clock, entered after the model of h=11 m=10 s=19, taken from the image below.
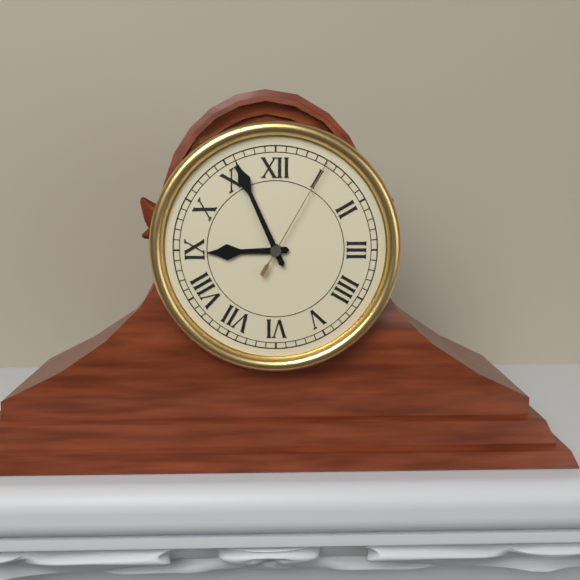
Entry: h=8 m=56 s=5
